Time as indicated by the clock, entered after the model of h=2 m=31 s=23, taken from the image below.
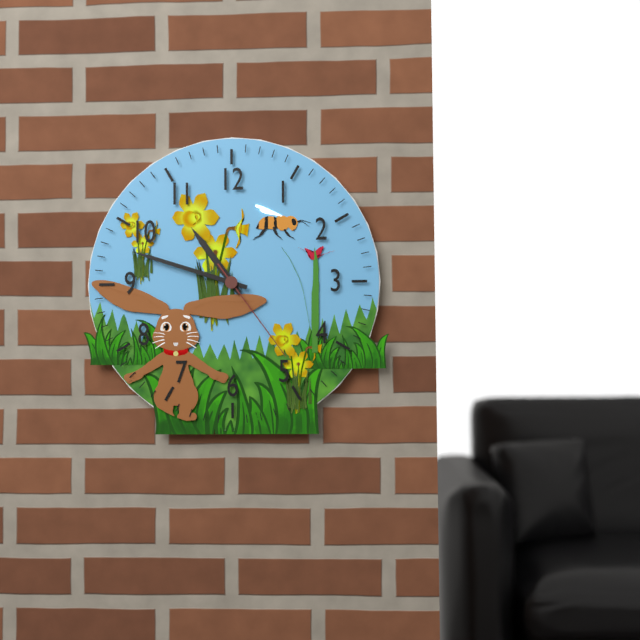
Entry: h=10 m=48 s=24
